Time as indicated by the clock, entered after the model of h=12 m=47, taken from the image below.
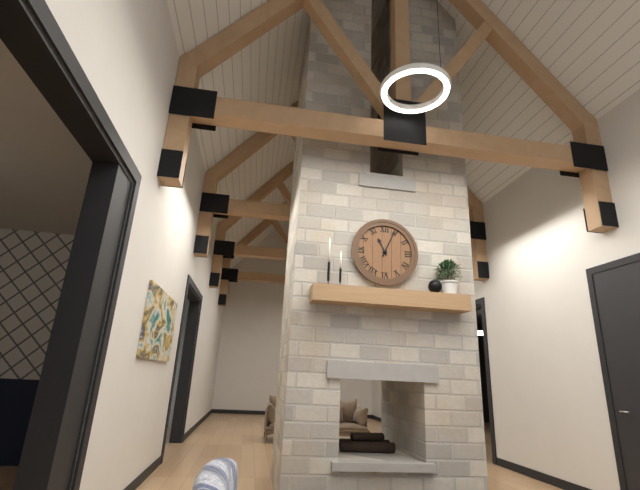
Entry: h=11 m=4
